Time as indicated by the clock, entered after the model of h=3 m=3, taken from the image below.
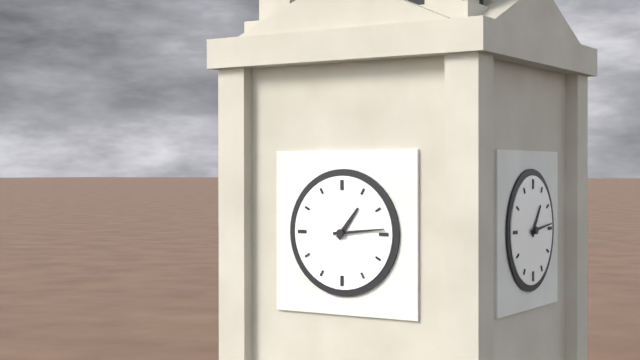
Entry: h=1 m=14
